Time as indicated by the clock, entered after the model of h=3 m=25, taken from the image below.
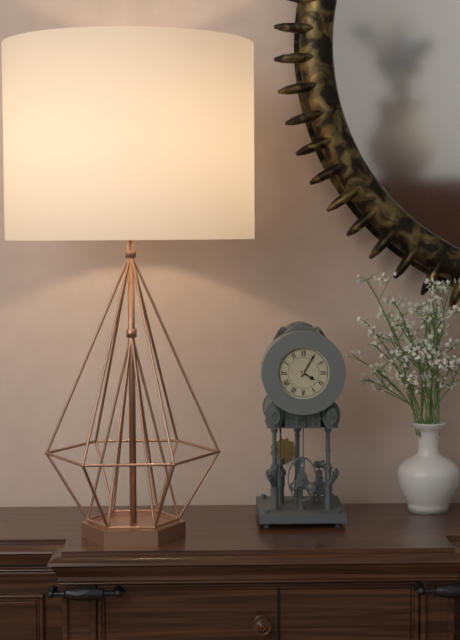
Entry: h=4 m=5
